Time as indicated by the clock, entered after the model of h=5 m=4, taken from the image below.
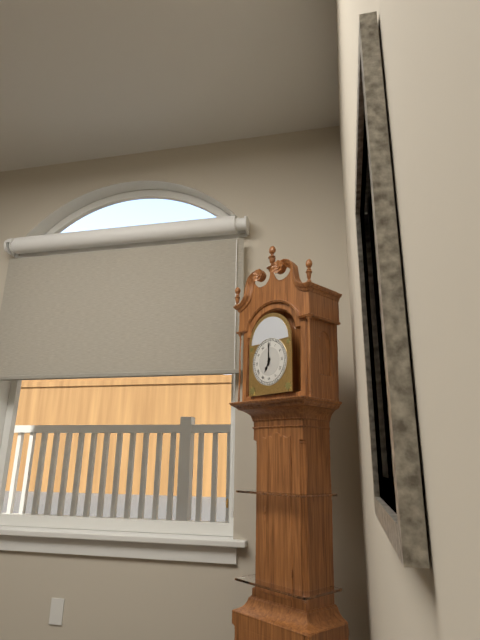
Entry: h=7 m=0
